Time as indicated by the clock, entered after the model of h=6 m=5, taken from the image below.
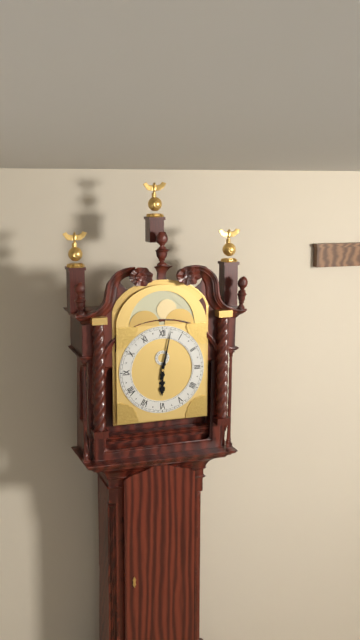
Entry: h=6 m=2
